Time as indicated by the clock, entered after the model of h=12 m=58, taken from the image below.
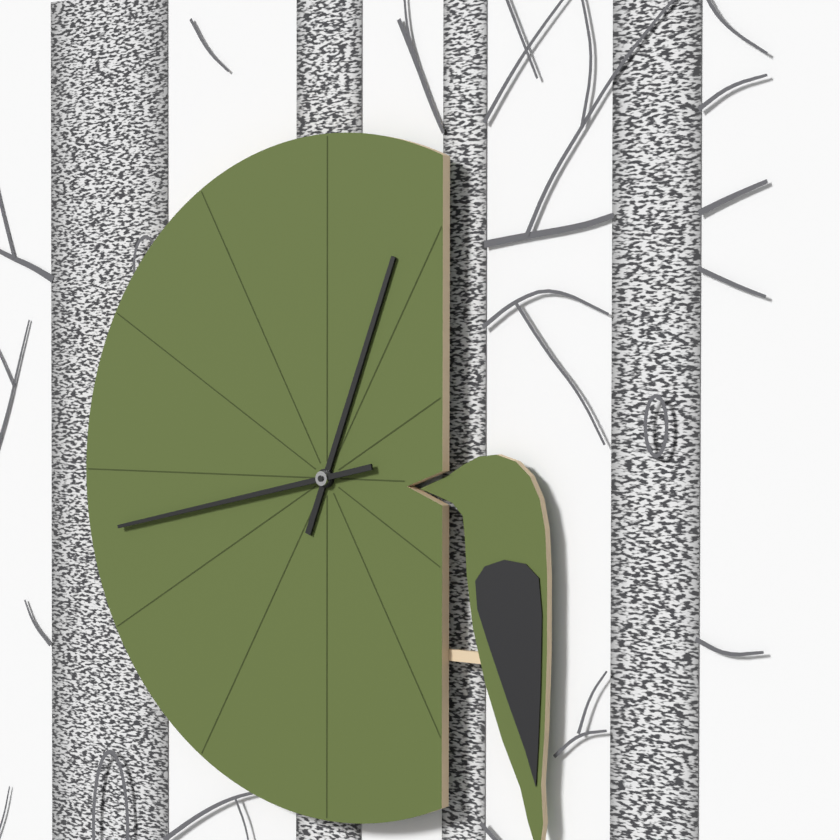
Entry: h=12 m=43
